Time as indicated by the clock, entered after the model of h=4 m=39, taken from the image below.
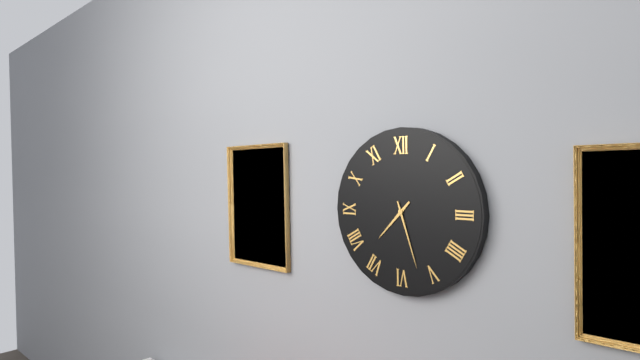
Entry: h=7 m=27
